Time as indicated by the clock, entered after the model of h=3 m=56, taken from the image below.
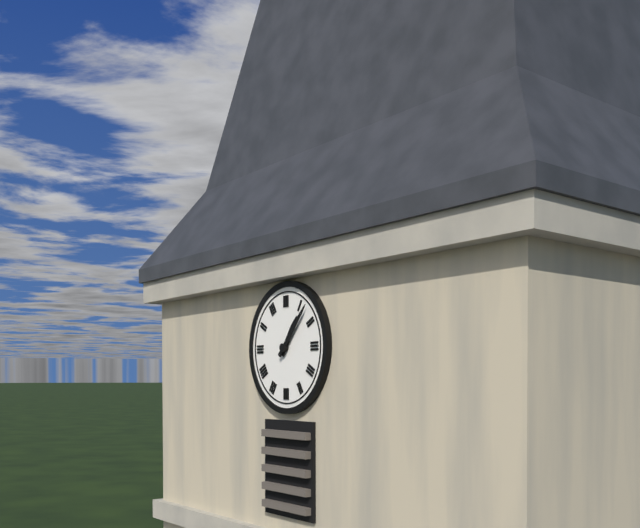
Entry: h=1 m=7
